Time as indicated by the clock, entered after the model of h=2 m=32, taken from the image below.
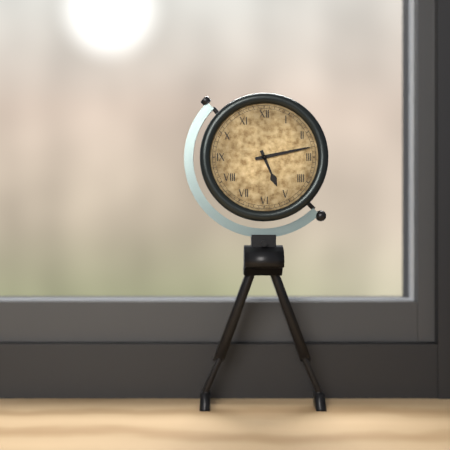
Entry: h=5 m=13
